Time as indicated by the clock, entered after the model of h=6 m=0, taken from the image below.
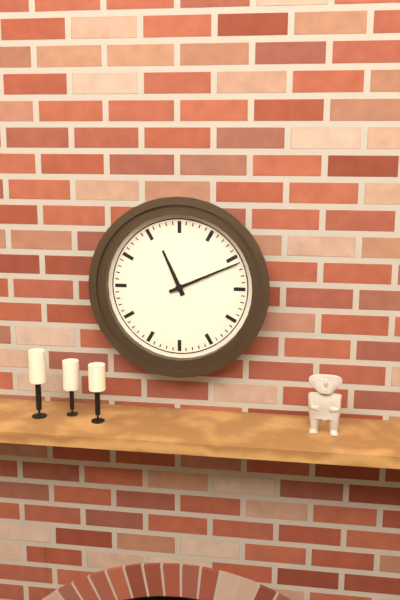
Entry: h=11 m=11
